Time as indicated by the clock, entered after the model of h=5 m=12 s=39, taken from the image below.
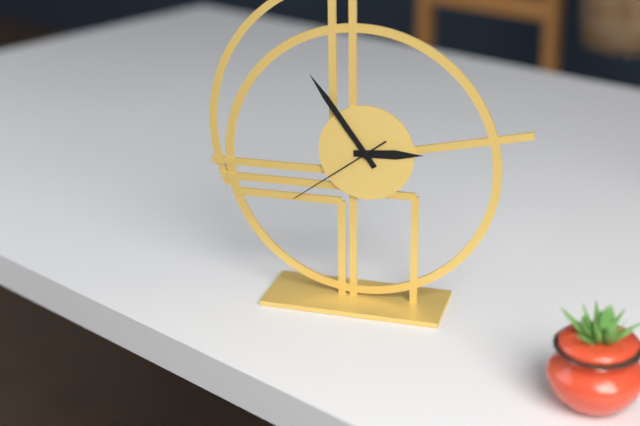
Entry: h=2 m=54 s=39
